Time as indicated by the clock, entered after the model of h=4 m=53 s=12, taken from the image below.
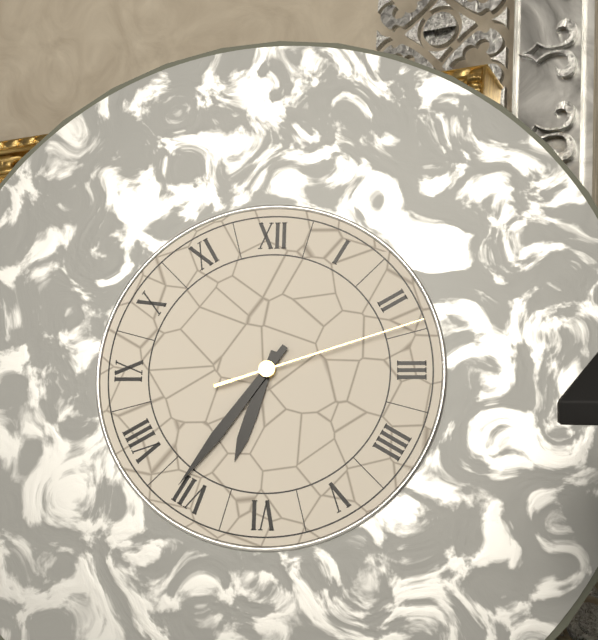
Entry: h=6 m=36 s=12
